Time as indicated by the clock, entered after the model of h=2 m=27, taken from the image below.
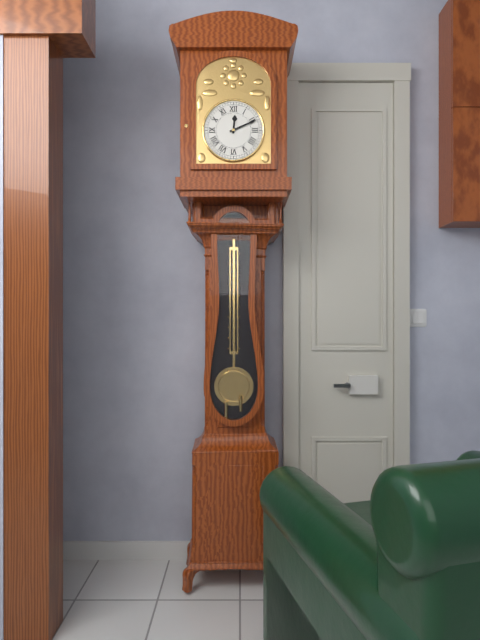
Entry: h=12 m=11
